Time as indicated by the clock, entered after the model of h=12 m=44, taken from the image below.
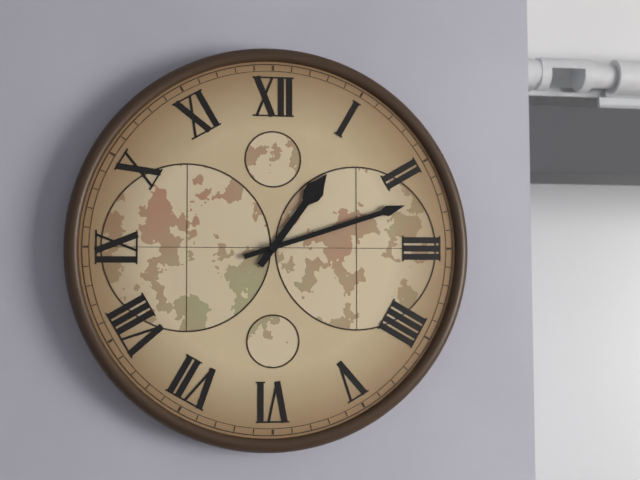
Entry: h=1 m=12
